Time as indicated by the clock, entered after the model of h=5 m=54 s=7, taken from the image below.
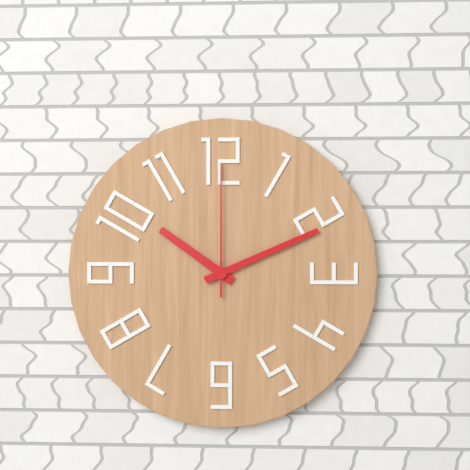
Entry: h=10 m=11 s=0
